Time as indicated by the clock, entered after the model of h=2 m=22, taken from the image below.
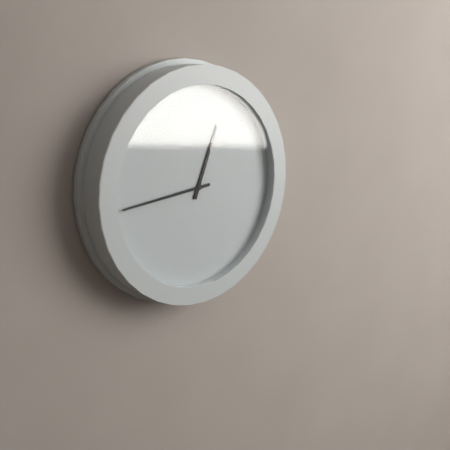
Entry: h=12 m=44
